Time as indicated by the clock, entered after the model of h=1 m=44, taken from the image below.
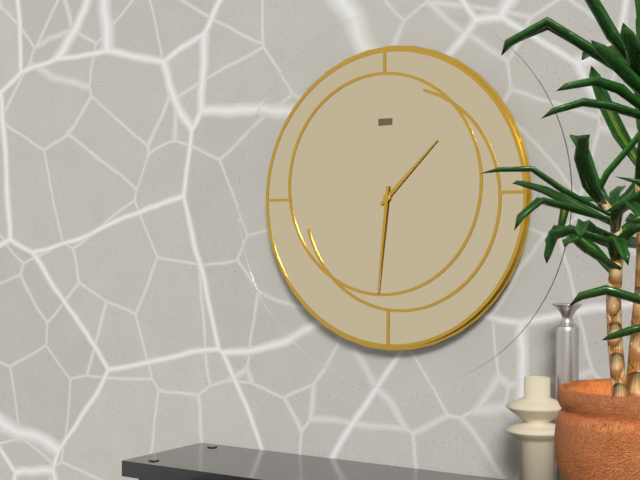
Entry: h=1 m=31
